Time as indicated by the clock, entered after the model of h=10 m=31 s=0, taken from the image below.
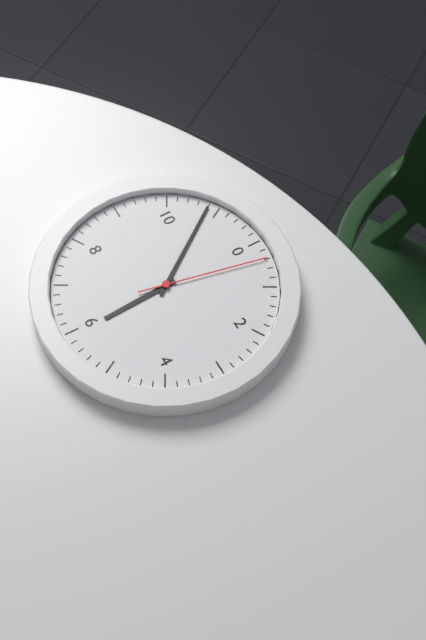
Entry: h=5 m=54 s=2
